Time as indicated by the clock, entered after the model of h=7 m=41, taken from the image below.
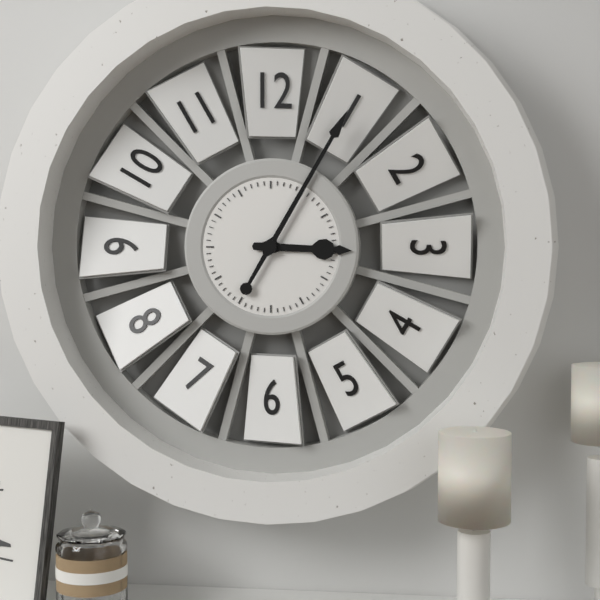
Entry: h=3 m=5
